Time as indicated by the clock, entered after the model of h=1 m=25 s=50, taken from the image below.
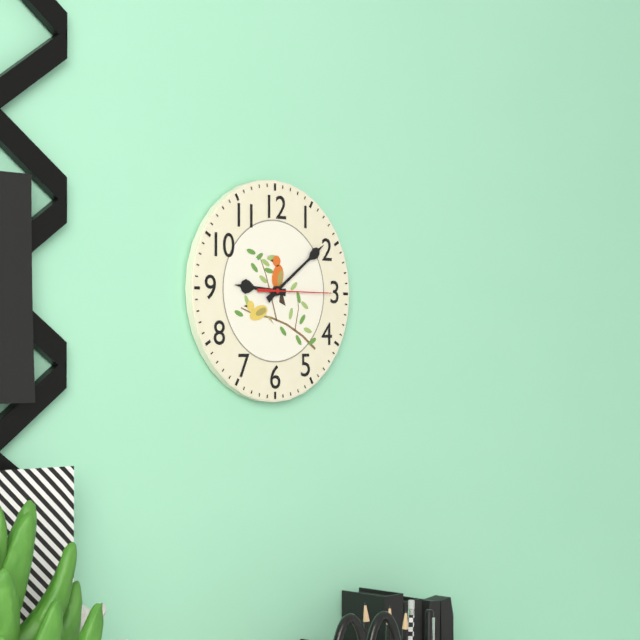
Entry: h=9 m=9 s=15
